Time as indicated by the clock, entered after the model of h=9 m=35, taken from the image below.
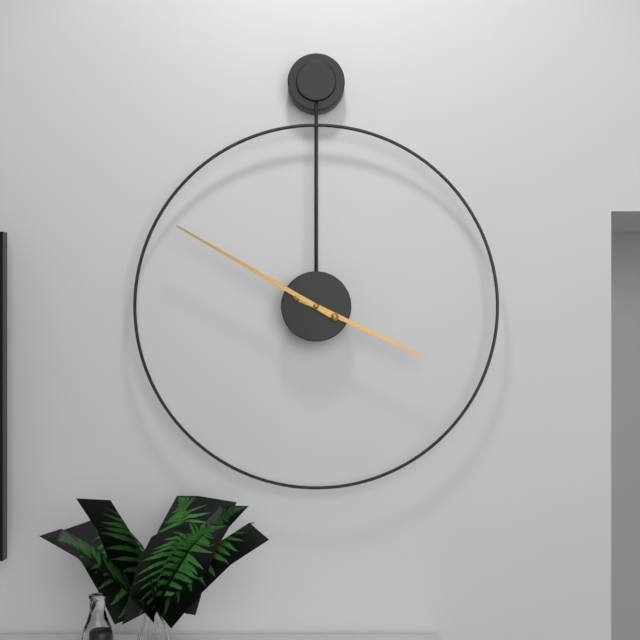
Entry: h=3 m=50
